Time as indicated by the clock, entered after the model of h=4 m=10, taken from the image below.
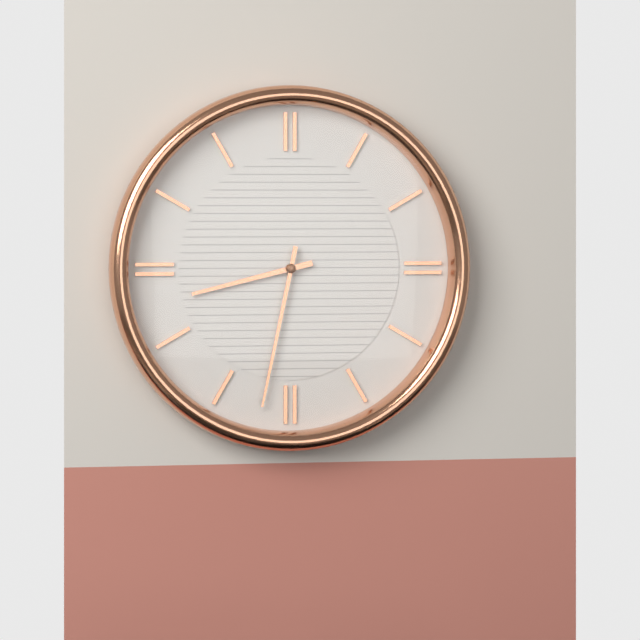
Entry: h=8 m=32
